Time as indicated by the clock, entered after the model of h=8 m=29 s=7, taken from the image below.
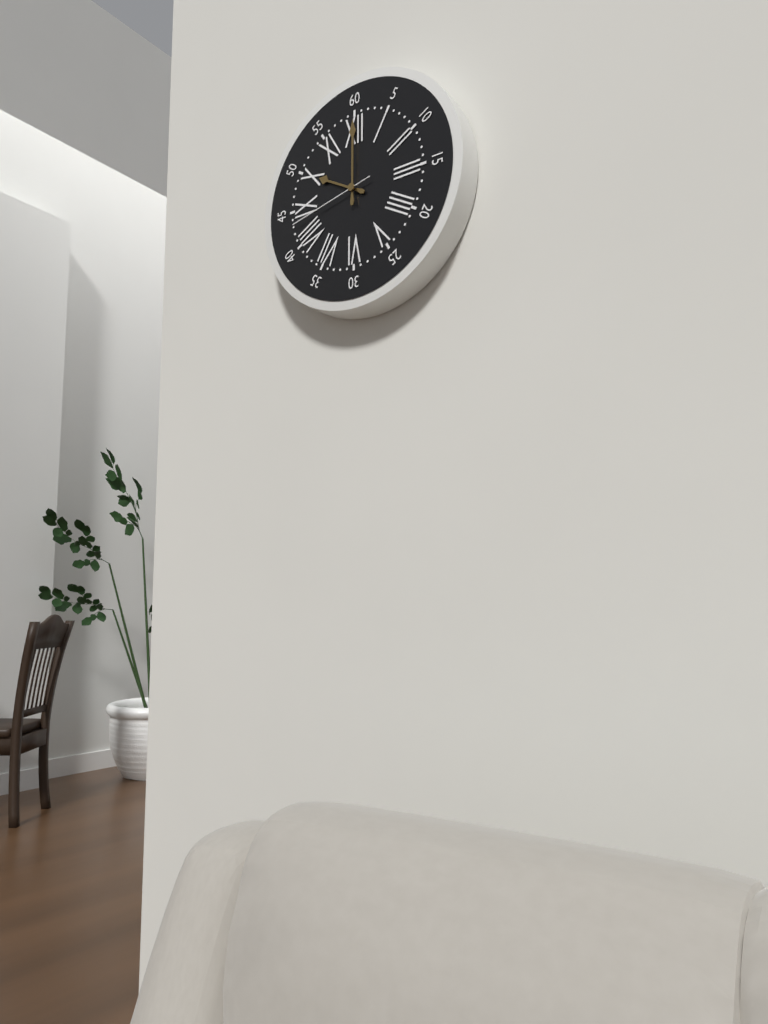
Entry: h=10 m=0 s=43
